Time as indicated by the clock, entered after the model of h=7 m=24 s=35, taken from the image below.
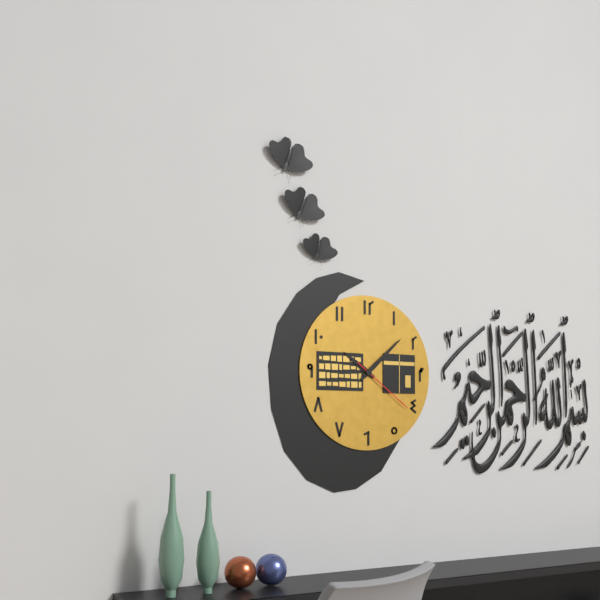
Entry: h=10 m=8 s=21
